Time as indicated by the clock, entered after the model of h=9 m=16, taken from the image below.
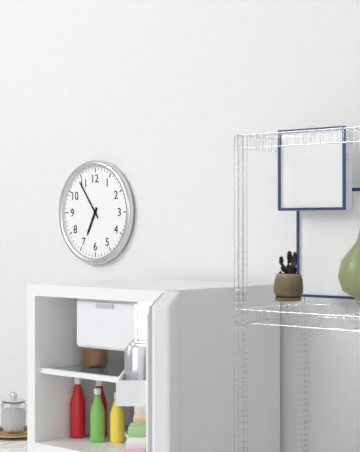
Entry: h=6 m=54
